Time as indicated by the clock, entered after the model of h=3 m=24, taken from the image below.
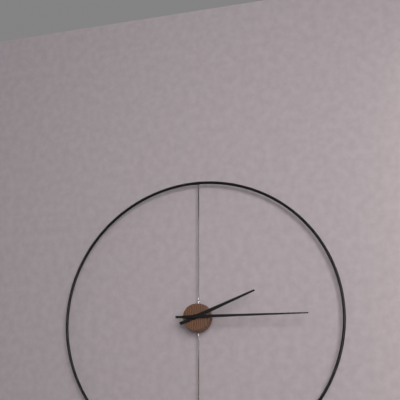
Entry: h=2 m=15
